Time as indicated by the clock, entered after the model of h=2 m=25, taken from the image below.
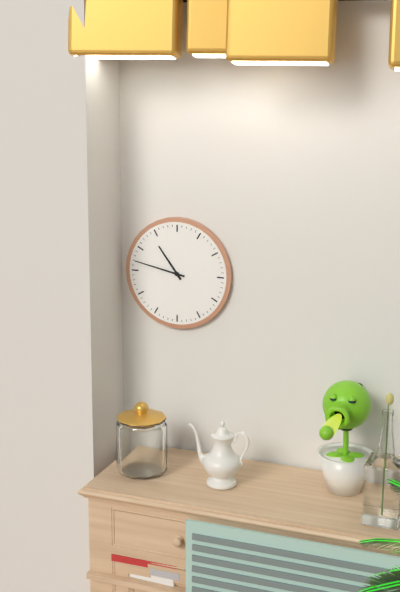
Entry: h=10 m=47
